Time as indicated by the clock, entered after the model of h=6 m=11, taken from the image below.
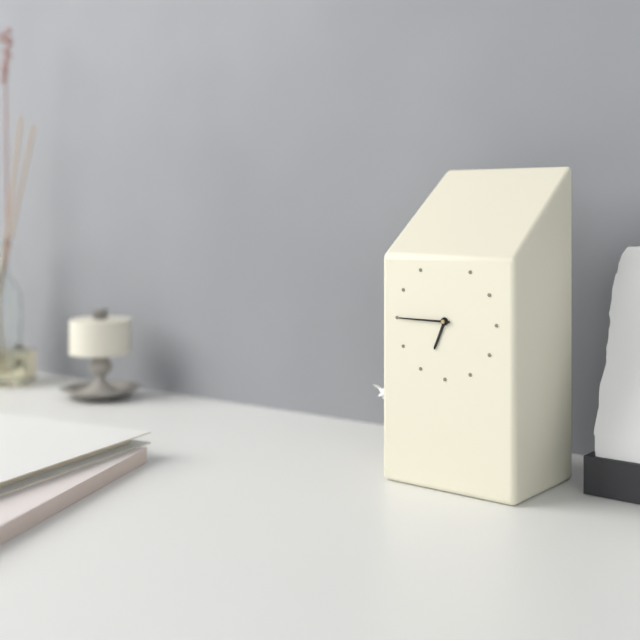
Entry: h=6 m=45
